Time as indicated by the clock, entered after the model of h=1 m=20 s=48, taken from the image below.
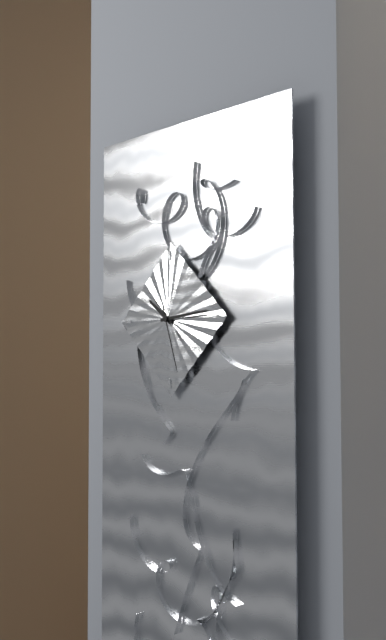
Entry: h=10 m=14 s=27
